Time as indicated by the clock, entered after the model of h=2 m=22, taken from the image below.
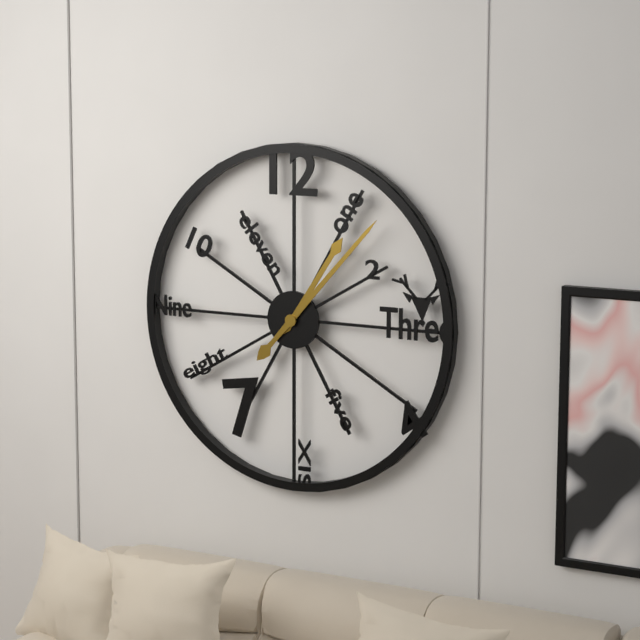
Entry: h=1 m=7
